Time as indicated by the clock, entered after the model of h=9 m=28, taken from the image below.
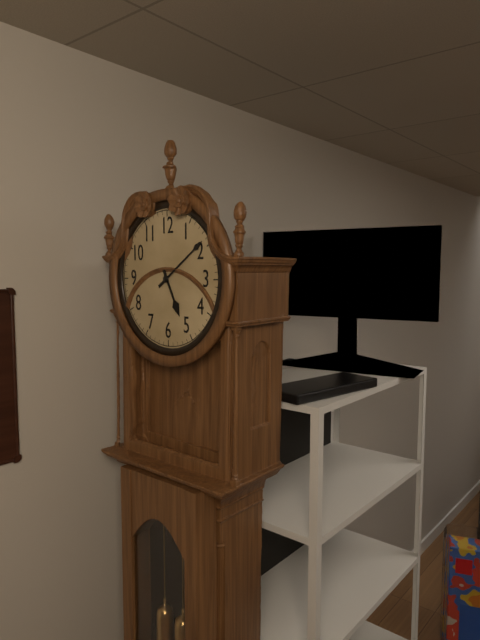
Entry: h=5 m=9
